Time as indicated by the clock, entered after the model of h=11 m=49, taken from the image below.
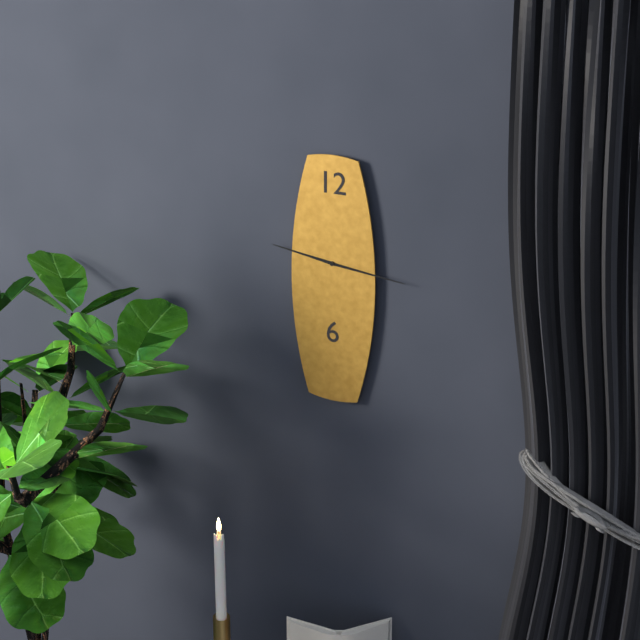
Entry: h=9 m=16
